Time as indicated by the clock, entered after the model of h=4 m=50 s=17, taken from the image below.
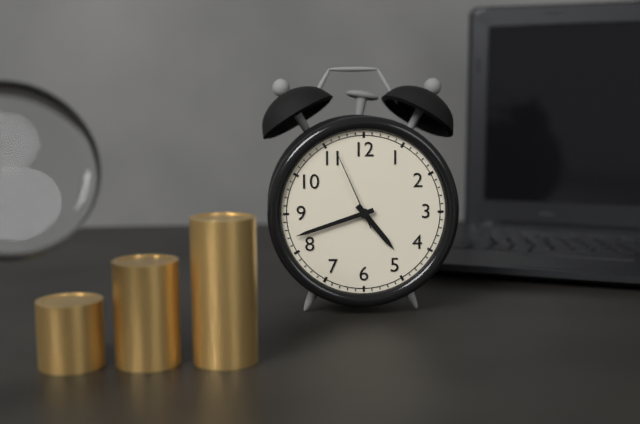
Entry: h=4 m=42 s=56
